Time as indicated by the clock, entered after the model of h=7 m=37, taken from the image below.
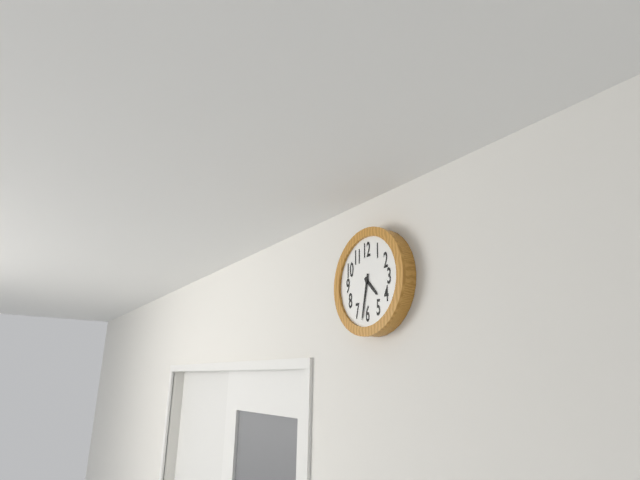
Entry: h=4 m=32
